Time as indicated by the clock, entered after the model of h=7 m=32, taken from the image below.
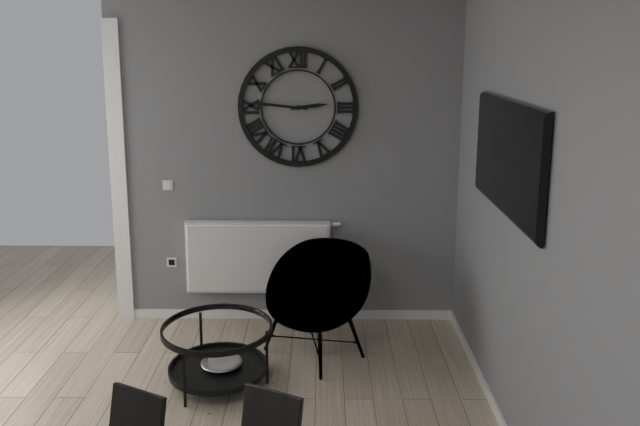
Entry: h=2 m=46
